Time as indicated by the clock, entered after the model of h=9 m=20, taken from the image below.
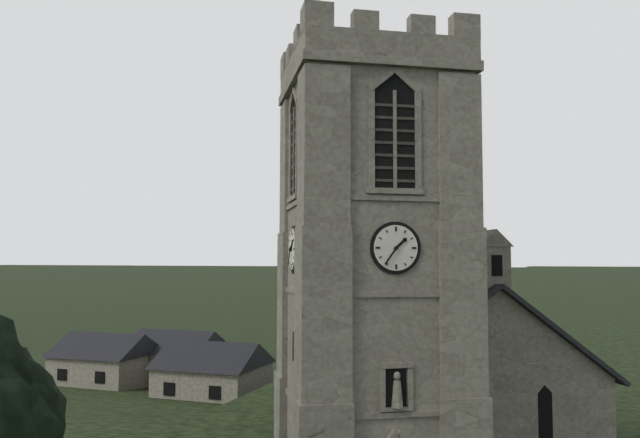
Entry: h=1 m=36
